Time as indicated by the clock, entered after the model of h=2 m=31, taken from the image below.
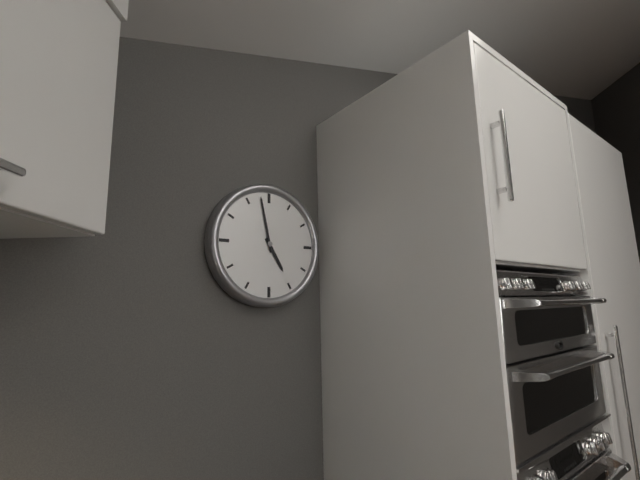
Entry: h=4 m=58
